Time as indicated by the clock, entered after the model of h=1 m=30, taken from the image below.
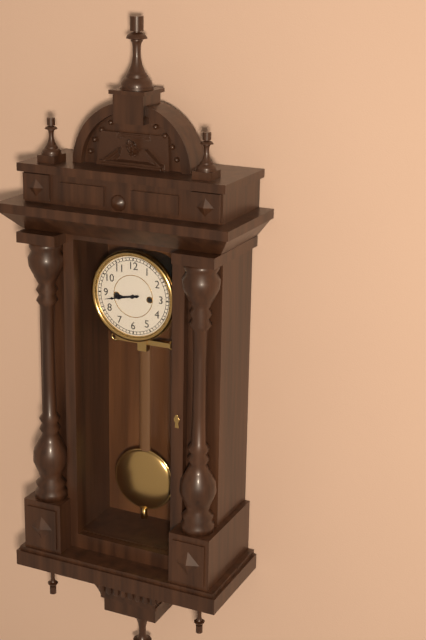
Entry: h=8 m=43
